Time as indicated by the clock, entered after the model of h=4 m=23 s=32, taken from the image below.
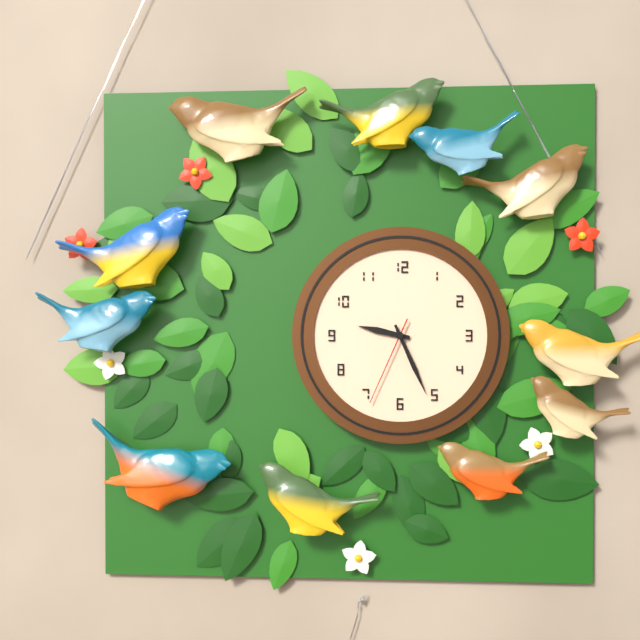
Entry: h=9 m=26 s=34
